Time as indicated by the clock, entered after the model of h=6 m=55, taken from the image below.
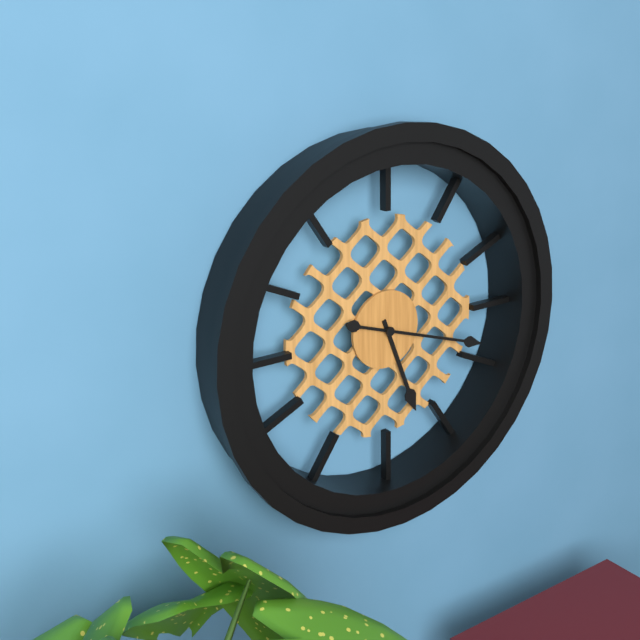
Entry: h=5 m=18
